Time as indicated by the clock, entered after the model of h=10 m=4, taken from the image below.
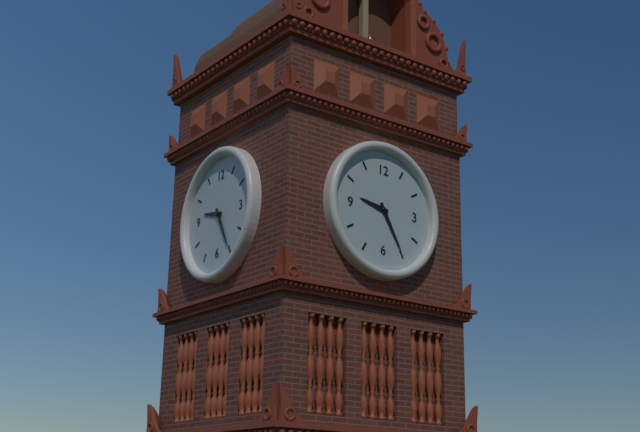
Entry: h=9 m=25
